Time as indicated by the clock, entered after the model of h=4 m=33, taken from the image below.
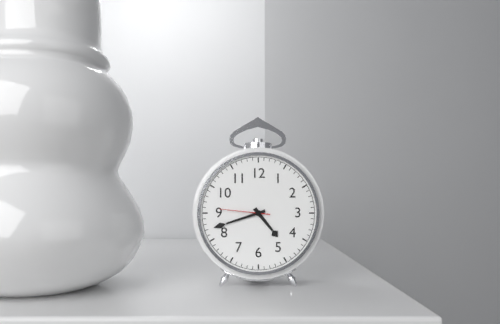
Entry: h=4 m=42
